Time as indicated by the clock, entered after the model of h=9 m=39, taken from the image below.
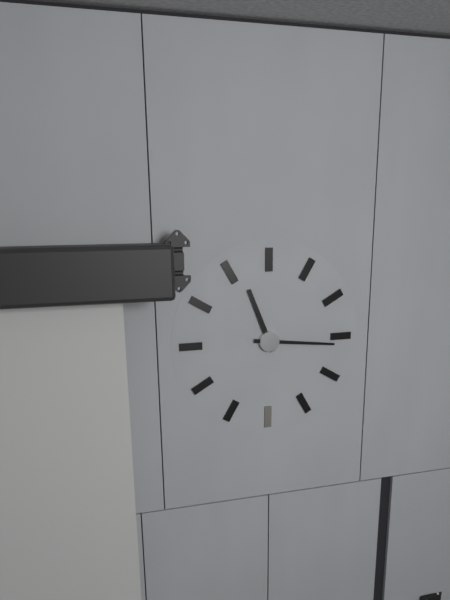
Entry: h=11 m=16
